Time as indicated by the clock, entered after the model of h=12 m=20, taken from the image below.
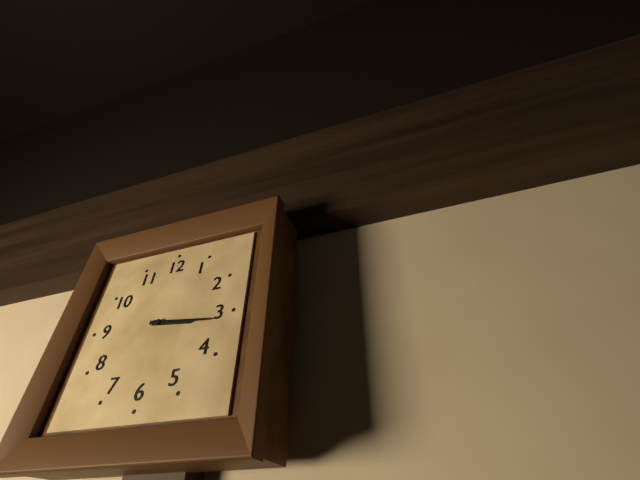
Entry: h=3 m=16
